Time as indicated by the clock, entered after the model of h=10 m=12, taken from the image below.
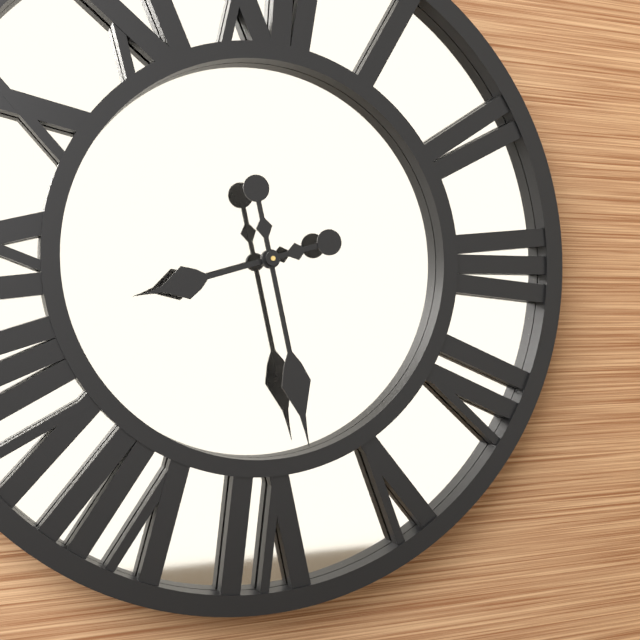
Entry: h=8 m=28
